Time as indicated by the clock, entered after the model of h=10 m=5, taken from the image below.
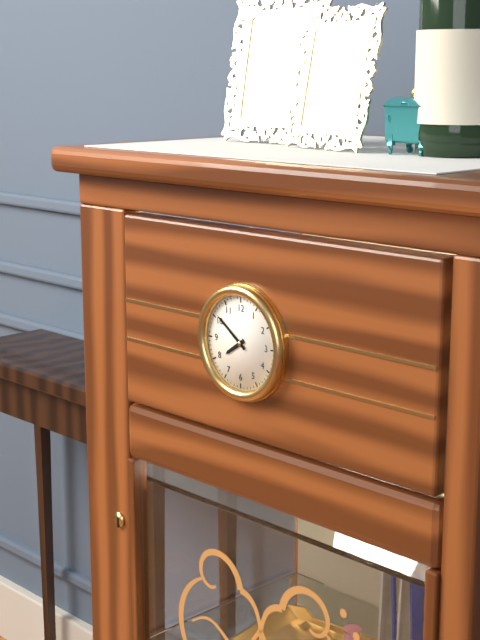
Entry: h=7 m=51
